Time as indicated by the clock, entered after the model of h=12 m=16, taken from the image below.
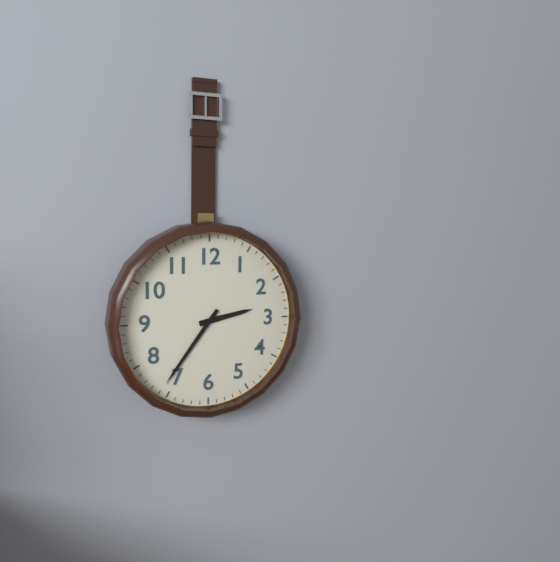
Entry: h=2 m=36
